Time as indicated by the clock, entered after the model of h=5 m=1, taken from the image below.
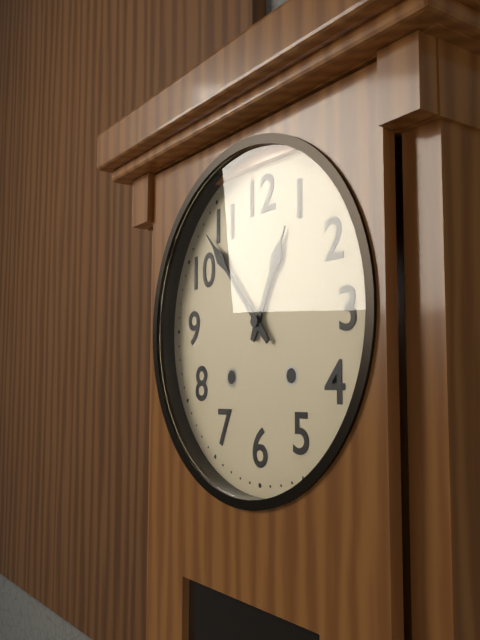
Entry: h=12 m=53
